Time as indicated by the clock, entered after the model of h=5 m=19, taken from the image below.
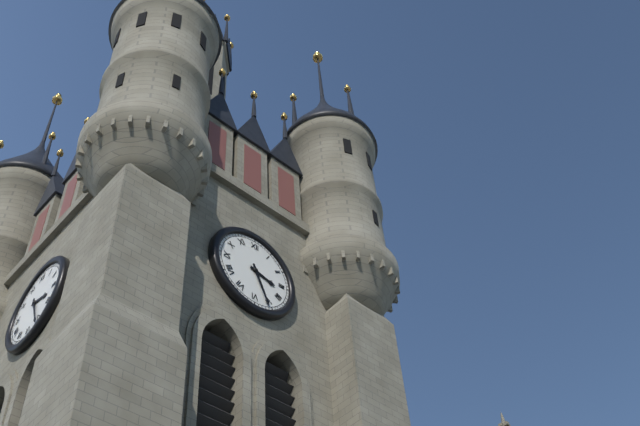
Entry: h=3 m=26
